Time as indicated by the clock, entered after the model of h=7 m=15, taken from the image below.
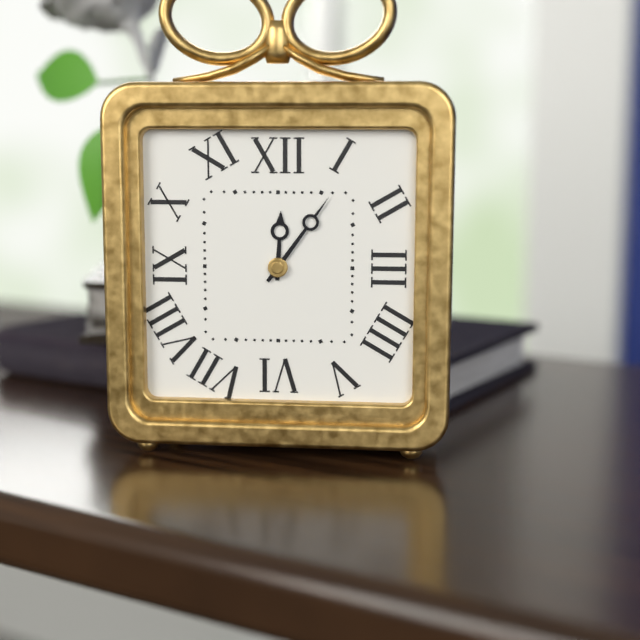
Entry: h=12 m=6
